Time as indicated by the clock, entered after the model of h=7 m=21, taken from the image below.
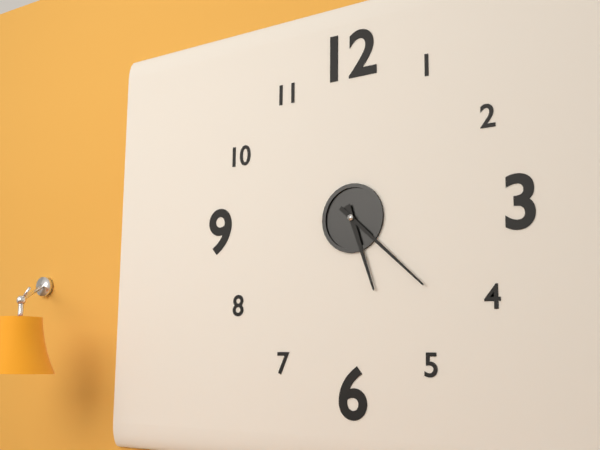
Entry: h=5 m=22
